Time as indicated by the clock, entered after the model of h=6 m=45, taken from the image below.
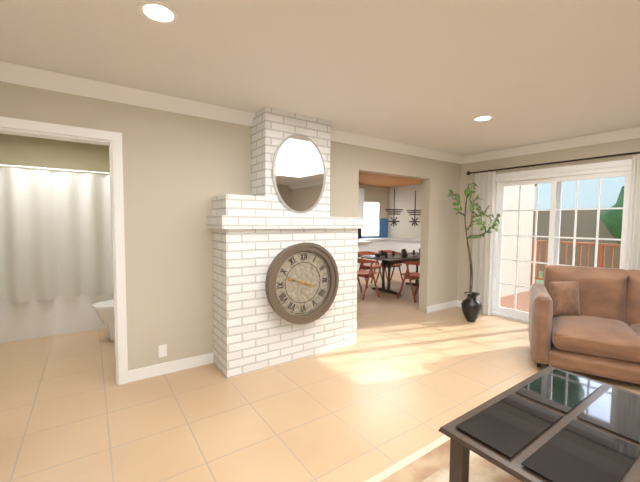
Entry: h=3 m=48
